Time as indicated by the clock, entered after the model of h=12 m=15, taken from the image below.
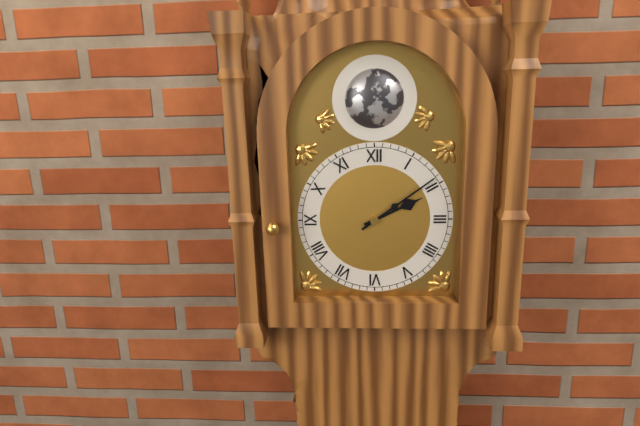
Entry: h=2 m=9
